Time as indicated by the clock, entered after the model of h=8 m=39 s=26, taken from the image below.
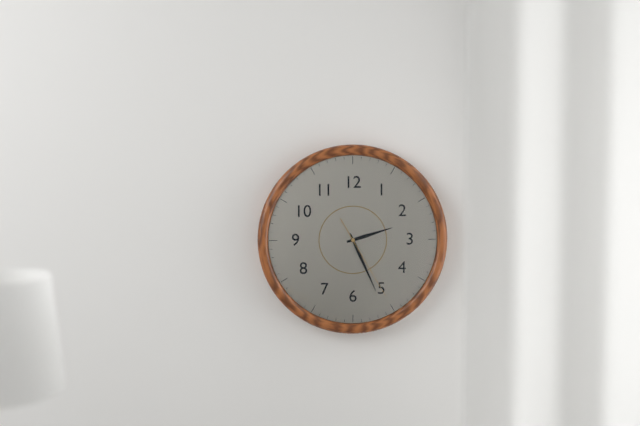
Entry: h=2 m=26 s=25
